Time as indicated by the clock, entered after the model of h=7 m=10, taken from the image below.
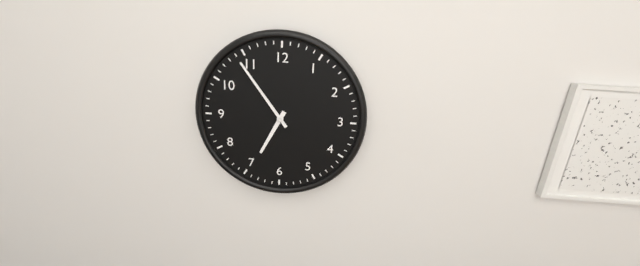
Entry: h=6 m=54
